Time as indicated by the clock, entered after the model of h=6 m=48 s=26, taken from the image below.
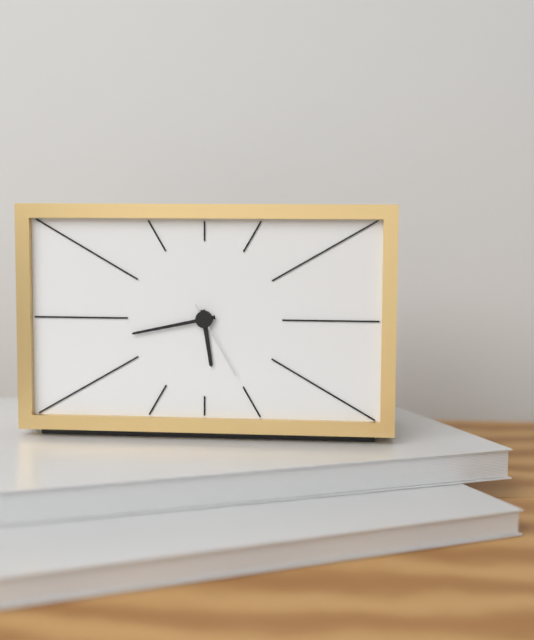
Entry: h=5 m=43 s=25
